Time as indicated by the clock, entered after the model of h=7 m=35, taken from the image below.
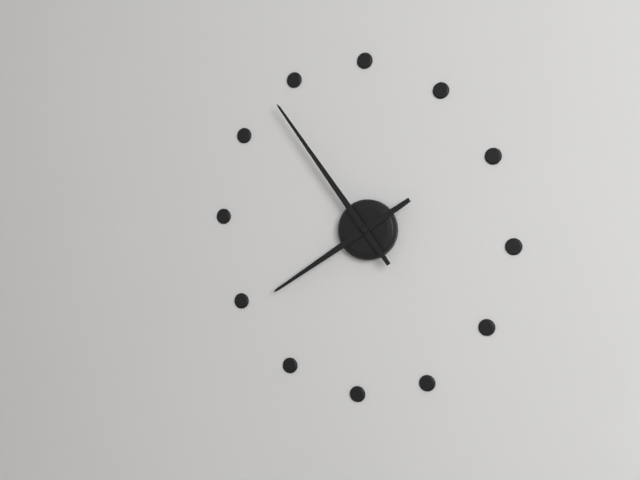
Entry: h=7 m=54
